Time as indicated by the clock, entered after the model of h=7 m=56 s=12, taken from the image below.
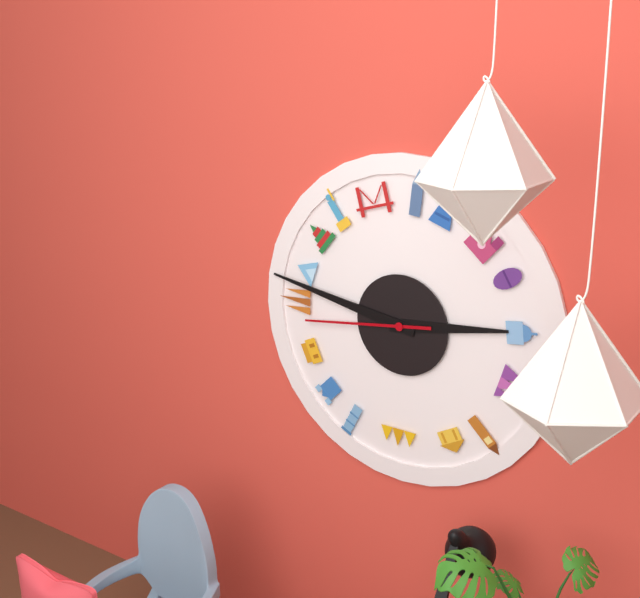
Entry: h=2 m=47 s=44
